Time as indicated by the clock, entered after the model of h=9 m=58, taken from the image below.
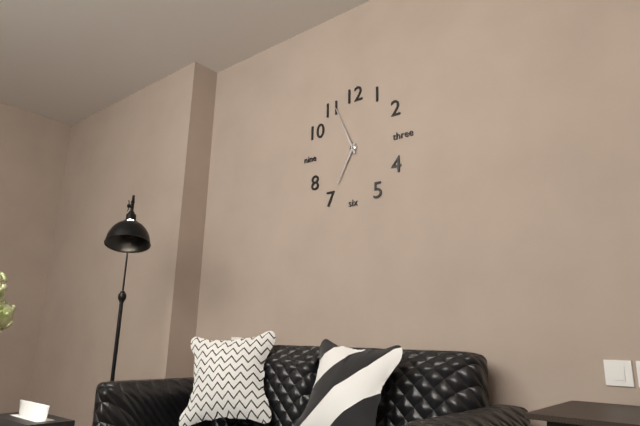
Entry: h=6 m=56
